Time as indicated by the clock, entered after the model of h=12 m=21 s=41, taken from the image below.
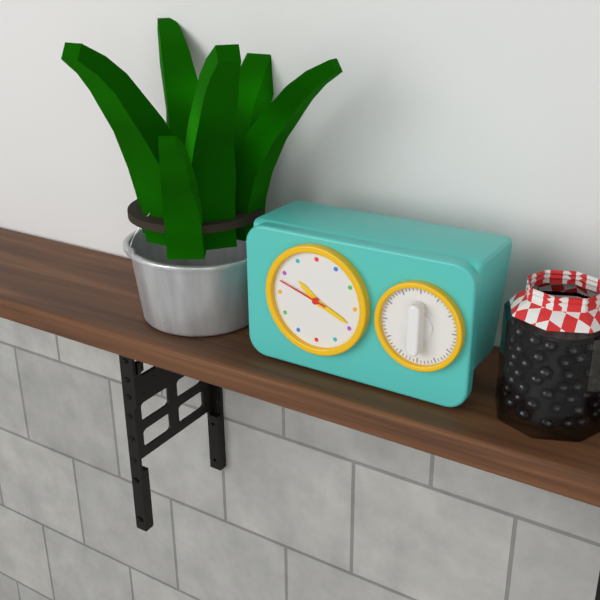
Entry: h=10 m=19 s=48
